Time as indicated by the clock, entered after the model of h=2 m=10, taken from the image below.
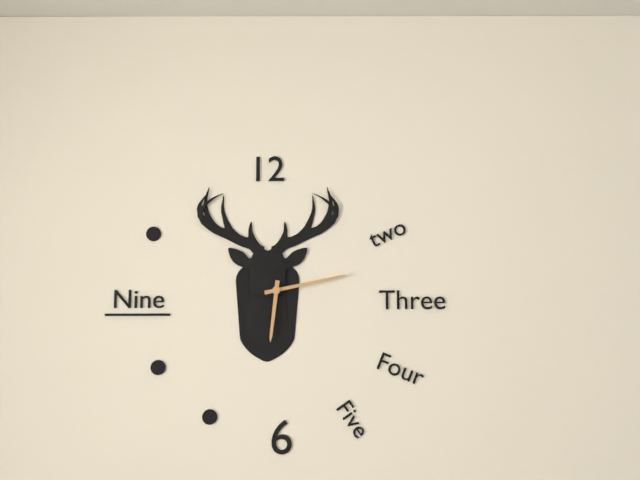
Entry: h=6 m=13
